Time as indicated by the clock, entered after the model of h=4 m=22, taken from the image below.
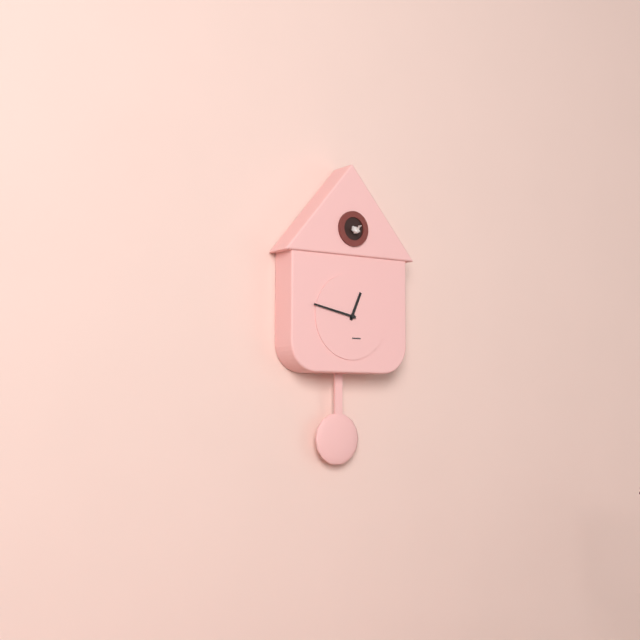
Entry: h=12 m=47
